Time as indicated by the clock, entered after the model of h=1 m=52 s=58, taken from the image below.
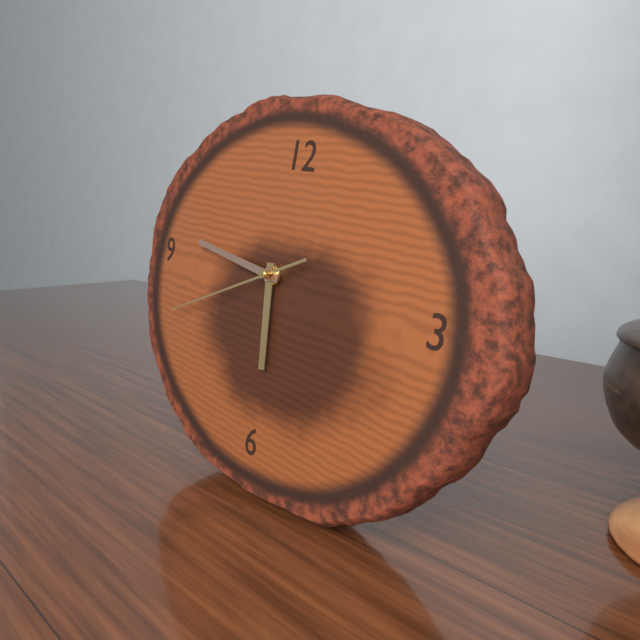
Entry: h=5 m=46 s=41
